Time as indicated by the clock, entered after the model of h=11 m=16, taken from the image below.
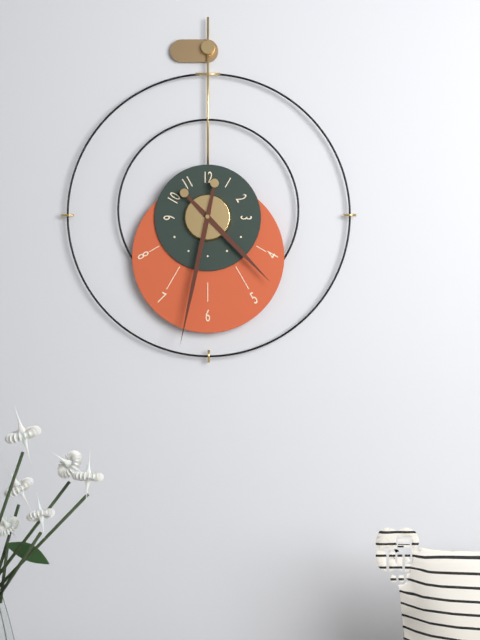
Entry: h=4 m=32
